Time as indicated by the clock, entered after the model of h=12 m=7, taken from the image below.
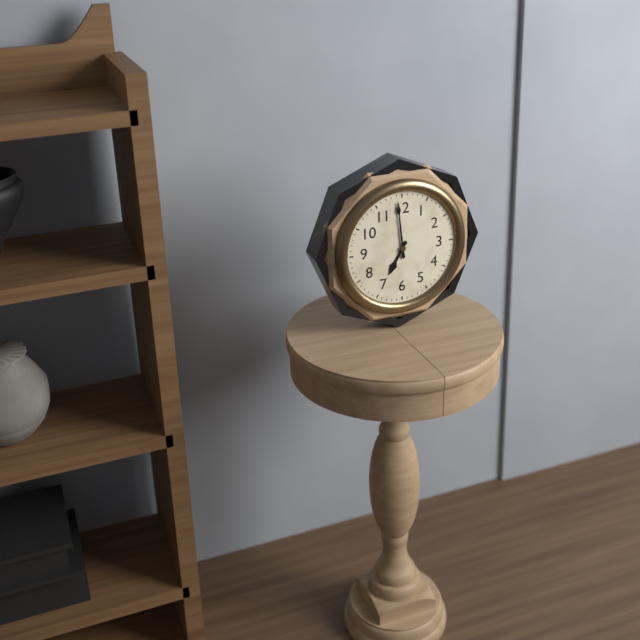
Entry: h=6 m=59
